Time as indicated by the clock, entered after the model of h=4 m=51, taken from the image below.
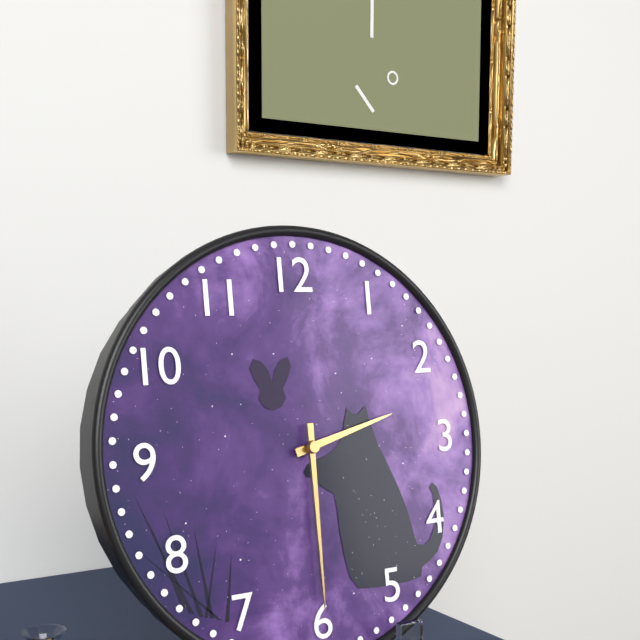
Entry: h=2 m=30
